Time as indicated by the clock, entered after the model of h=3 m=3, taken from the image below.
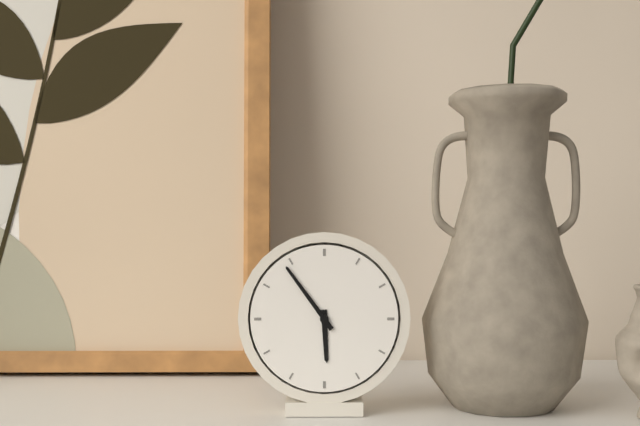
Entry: h=5 m=54
